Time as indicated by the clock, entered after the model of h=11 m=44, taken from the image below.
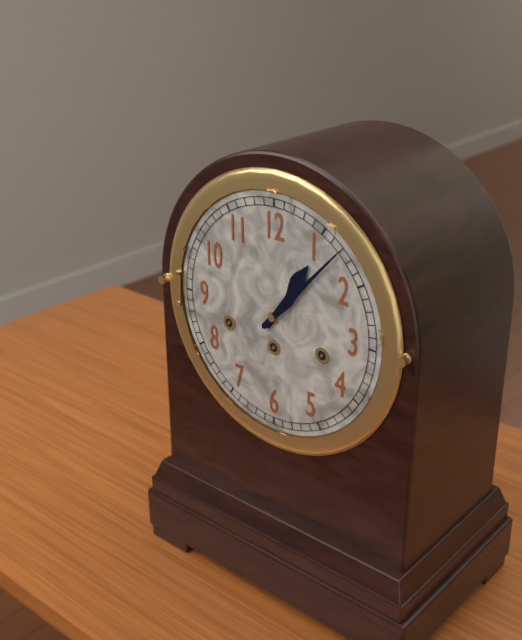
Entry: h=1 m=7
